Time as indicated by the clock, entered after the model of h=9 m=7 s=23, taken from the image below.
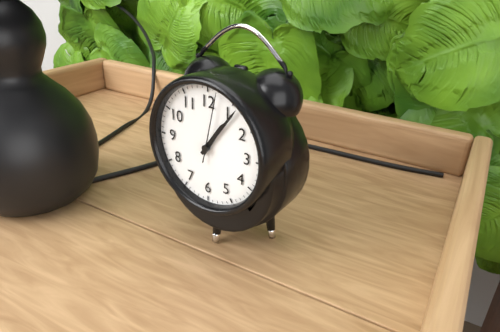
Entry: h=1 m=6 s=2
